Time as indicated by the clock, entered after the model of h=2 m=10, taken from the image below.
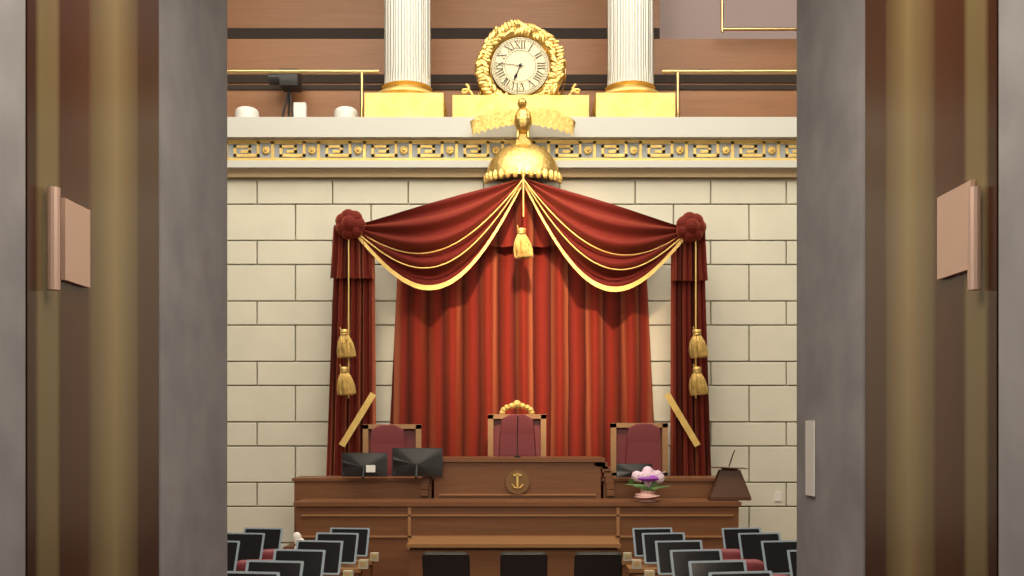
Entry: h=6 m=46
